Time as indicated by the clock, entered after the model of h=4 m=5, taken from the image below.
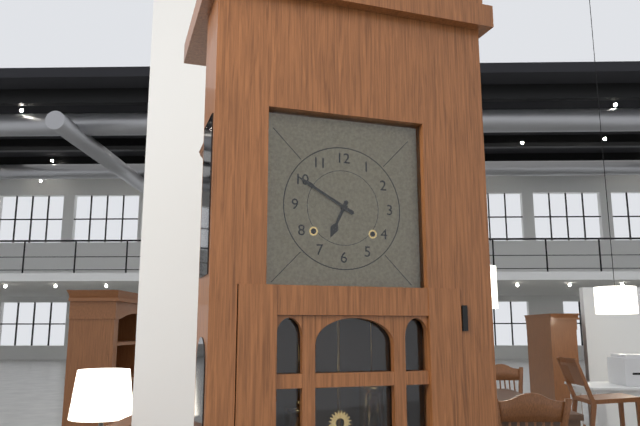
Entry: h=6 m=50
